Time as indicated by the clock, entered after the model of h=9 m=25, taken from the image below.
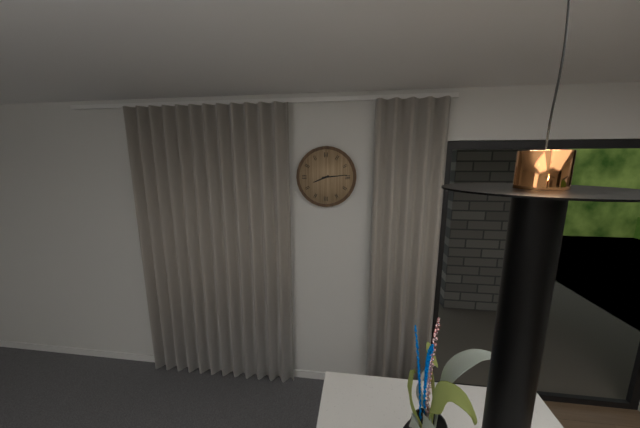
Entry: h=8 m=14
